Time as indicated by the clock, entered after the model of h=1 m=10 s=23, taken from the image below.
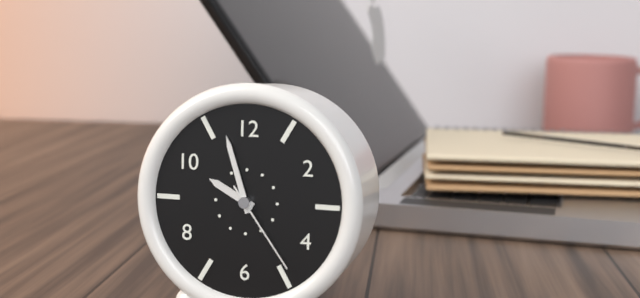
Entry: h=9 m=57 s=24
